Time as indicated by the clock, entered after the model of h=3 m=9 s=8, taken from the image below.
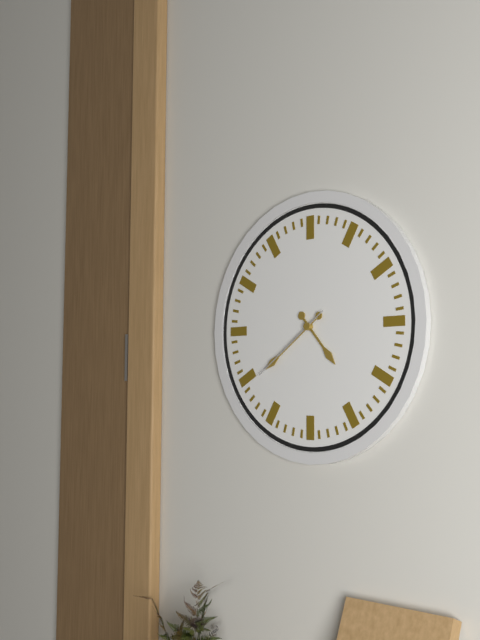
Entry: h=4 m=39 s=39
